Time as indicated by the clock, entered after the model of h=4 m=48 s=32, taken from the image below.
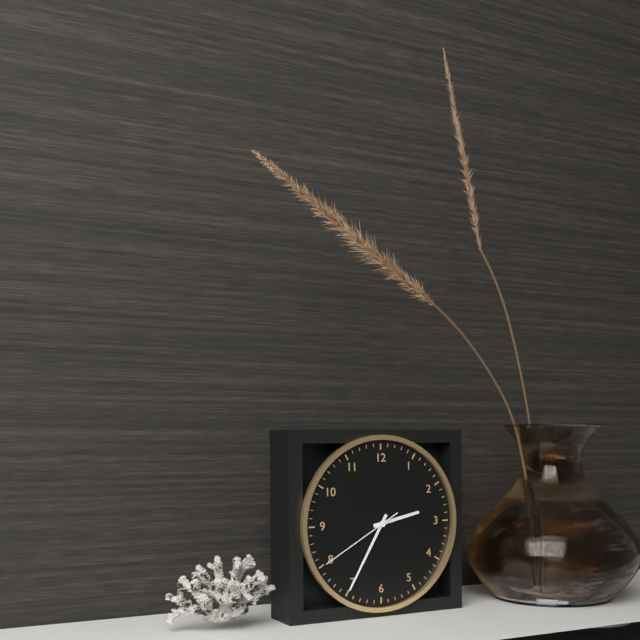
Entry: h=2 m=35 s=40
